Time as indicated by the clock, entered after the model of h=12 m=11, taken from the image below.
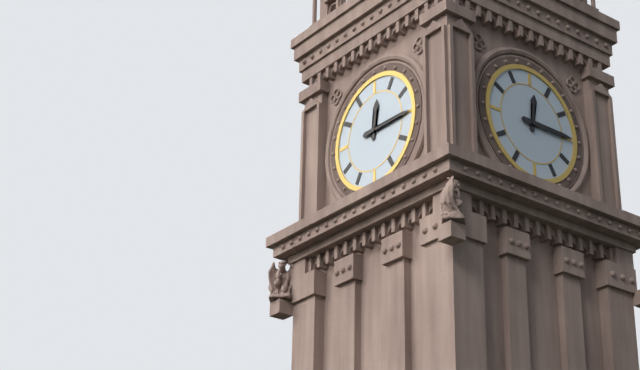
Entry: h=12 m=15
